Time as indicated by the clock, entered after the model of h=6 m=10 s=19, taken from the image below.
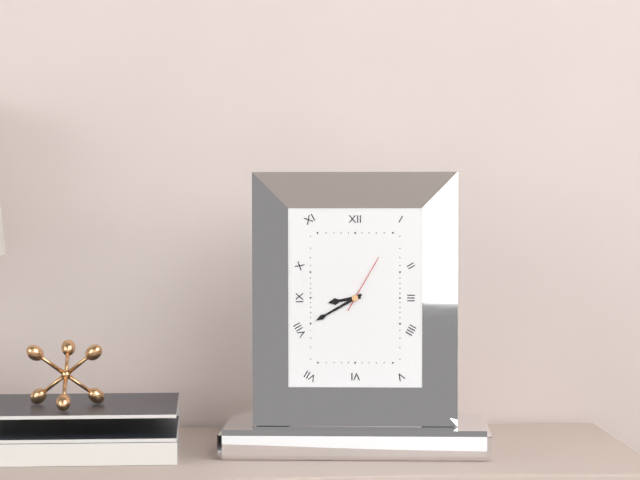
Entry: h=8 m=40 s=5
